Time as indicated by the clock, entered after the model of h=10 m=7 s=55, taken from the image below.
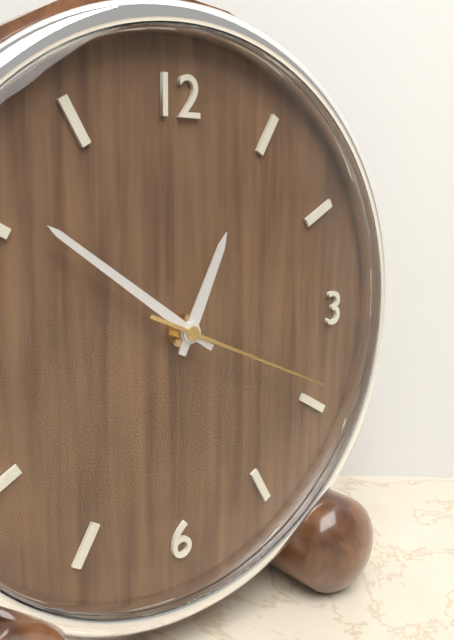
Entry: h=12 m=51 s=19
